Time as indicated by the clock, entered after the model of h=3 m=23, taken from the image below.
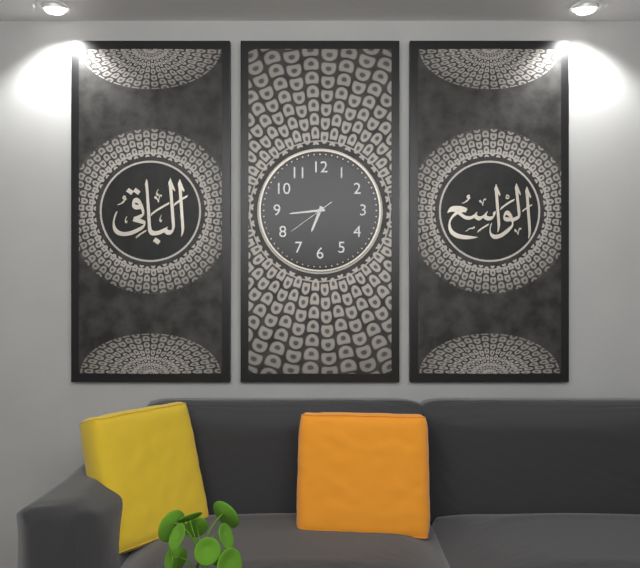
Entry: h=6 m=44
